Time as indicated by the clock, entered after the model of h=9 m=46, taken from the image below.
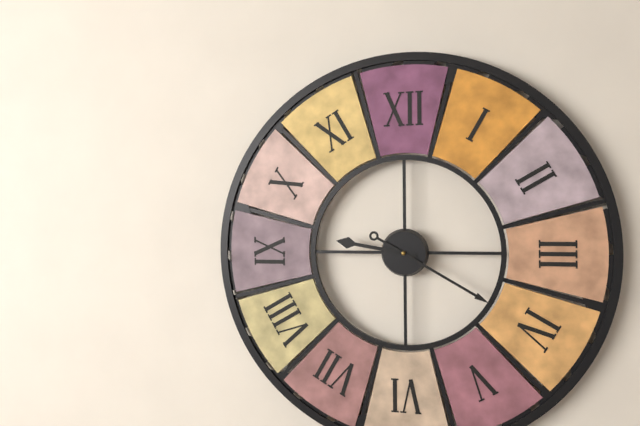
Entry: h=9 m=20
